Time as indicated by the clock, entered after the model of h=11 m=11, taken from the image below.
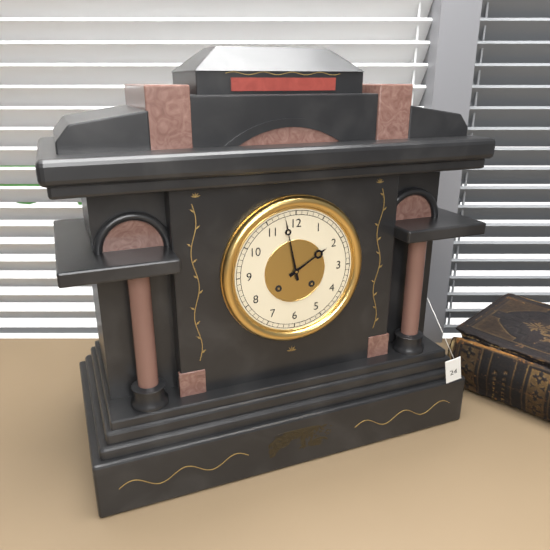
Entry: h=1 m=58
